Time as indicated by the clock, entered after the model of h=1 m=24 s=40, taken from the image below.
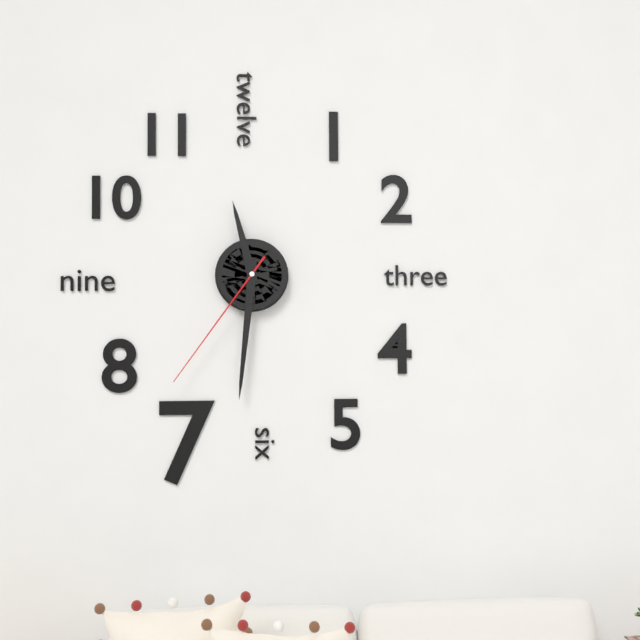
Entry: h=11 m=31 s=36
